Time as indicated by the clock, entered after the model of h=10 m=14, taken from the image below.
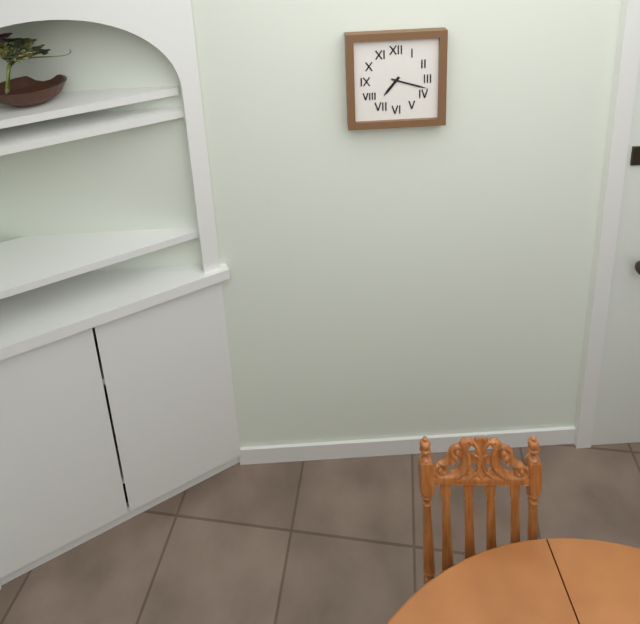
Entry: h=7 m=18
